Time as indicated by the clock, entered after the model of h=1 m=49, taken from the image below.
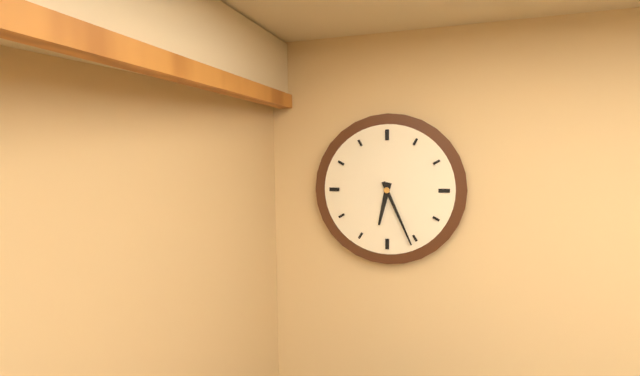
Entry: h=6 m=26
